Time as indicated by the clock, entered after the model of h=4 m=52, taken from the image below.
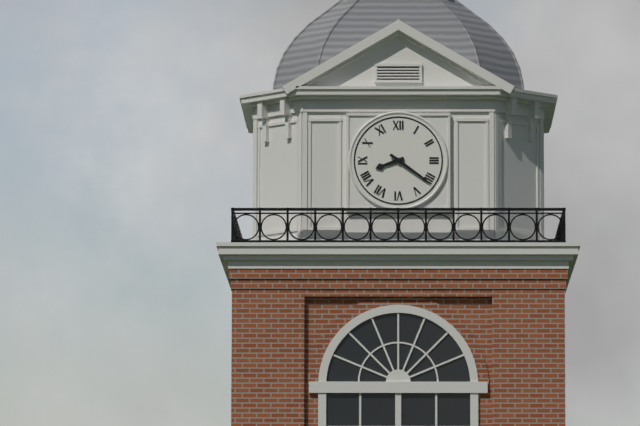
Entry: h=8 m=21
